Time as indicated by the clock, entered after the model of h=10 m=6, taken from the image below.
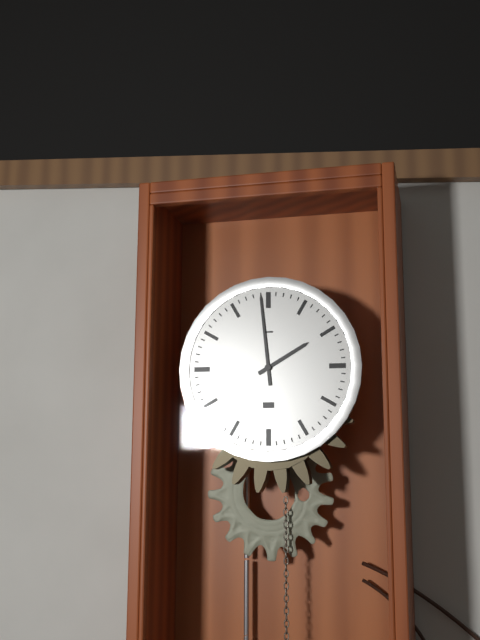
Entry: h=1 m=59
